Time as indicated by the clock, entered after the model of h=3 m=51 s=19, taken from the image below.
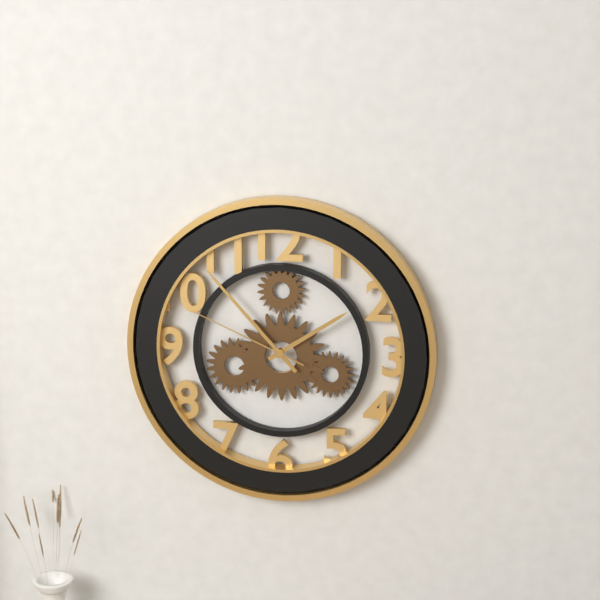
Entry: h=1 m=53 s=49
